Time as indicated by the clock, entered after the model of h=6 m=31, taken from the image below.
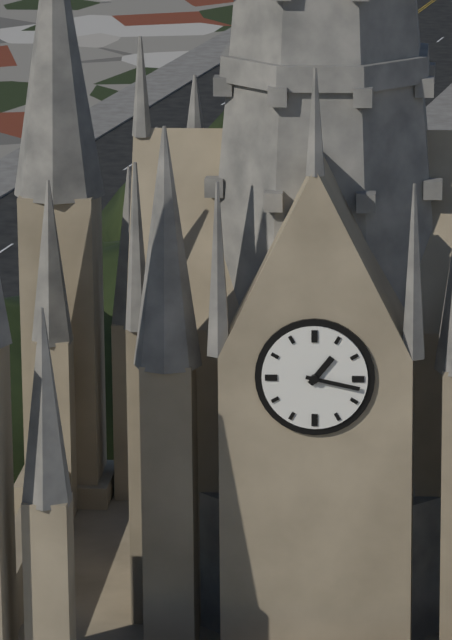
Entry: h=1 m=17
